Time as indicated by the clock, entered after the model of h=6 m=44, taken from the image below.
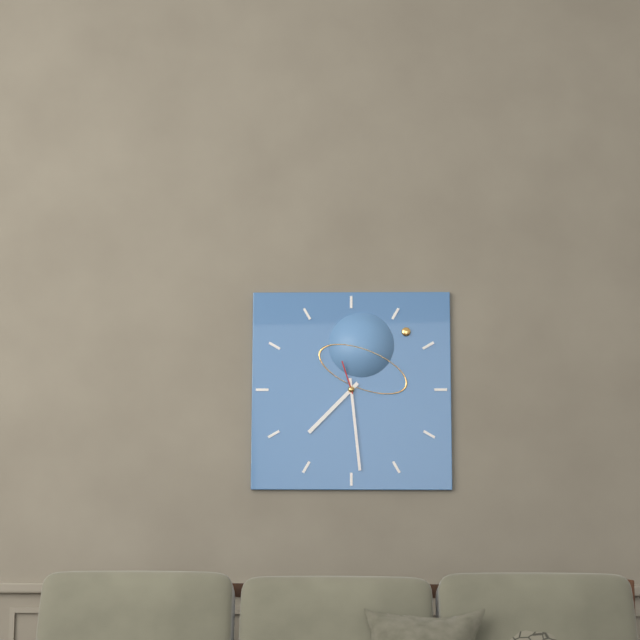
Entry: h=7 m=29
